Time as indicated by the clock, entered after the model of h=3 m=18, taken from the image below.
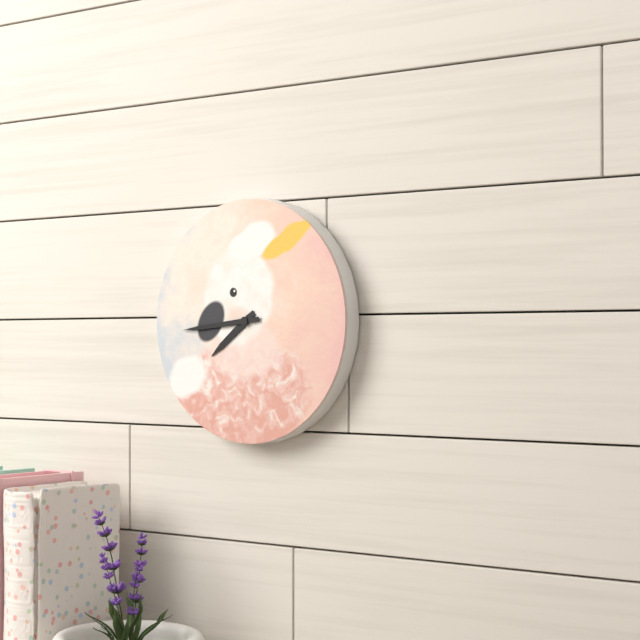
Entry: h=7 m=44
